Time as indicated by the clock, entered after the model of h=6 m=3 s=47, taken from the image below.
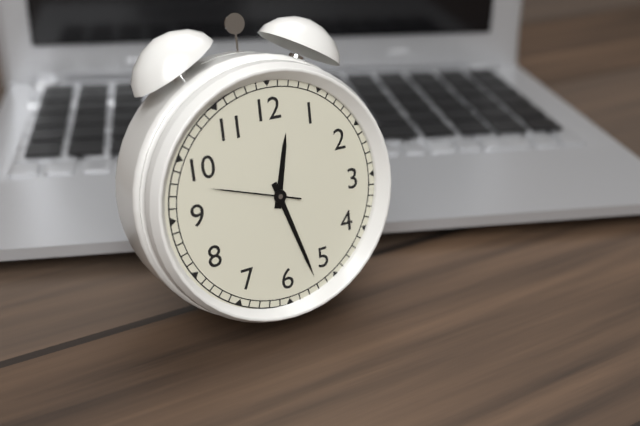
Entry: h=12 m=27 s=48
